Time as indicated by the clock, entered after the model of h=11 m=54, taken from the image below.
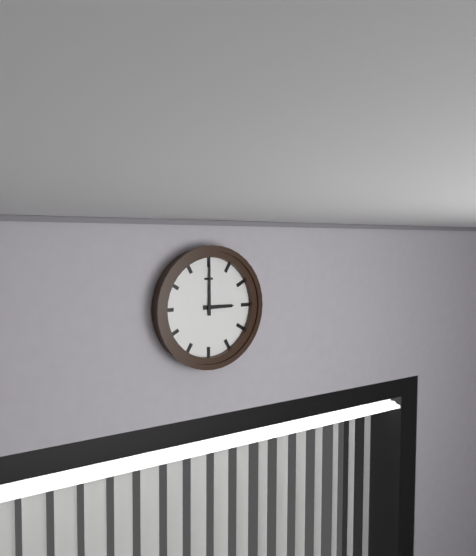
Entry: h=3 m=0
